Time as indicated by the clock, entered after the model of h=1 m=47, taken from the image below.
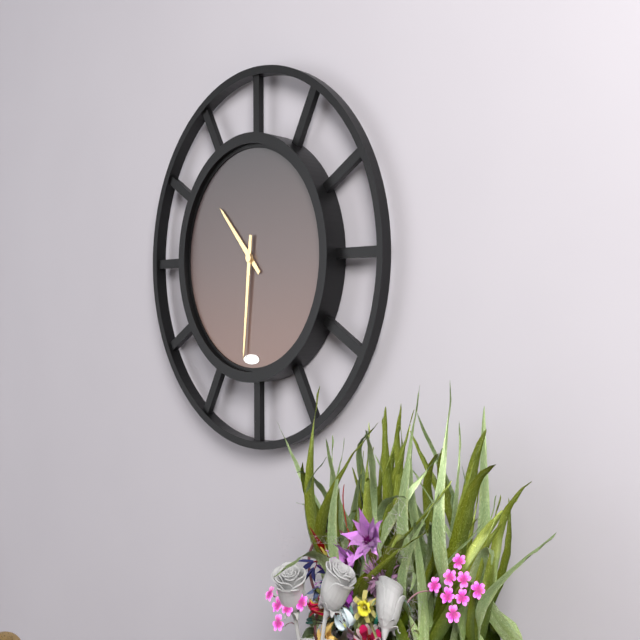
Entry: h=10 m=31
